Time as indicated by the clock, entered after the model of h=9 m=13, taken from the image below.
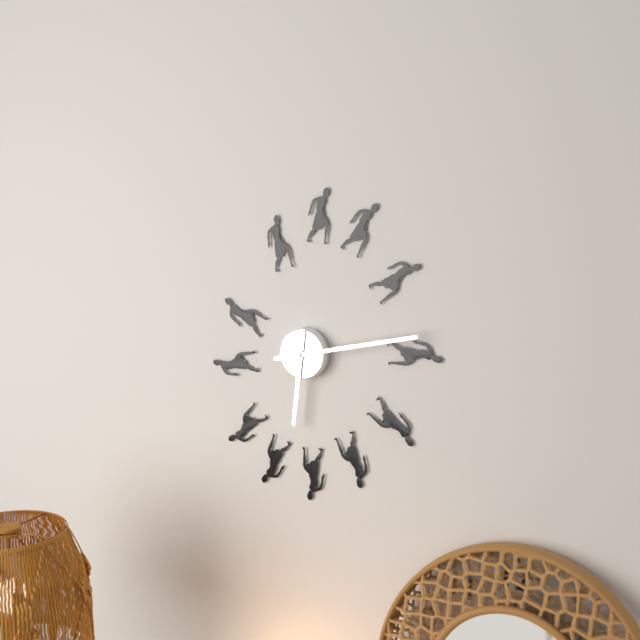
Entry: h=6 m=13
